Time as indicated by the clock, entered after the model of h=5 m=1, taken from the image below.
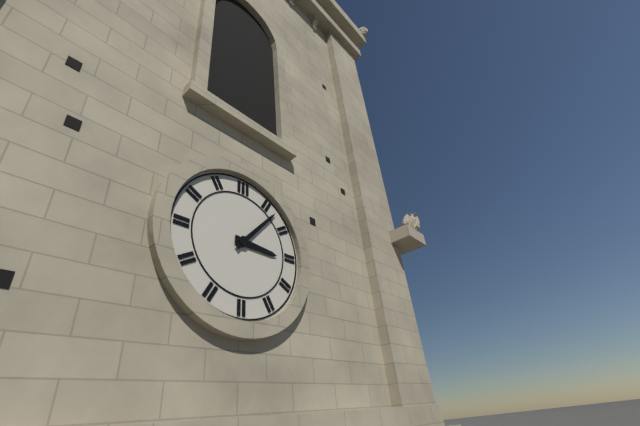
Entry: h=3 m=7
